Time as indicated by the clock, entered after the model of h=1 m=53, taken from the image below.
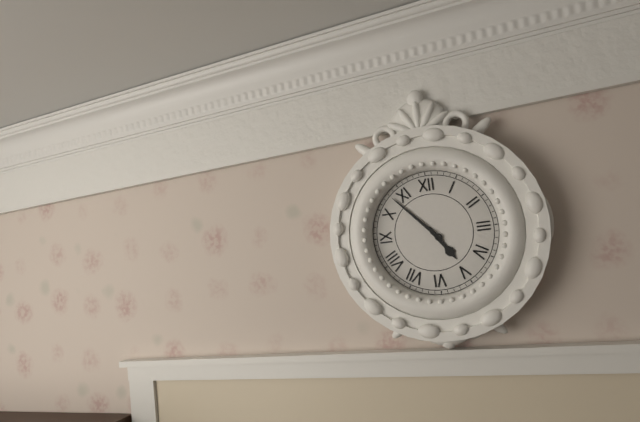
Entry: h=4 m=53
